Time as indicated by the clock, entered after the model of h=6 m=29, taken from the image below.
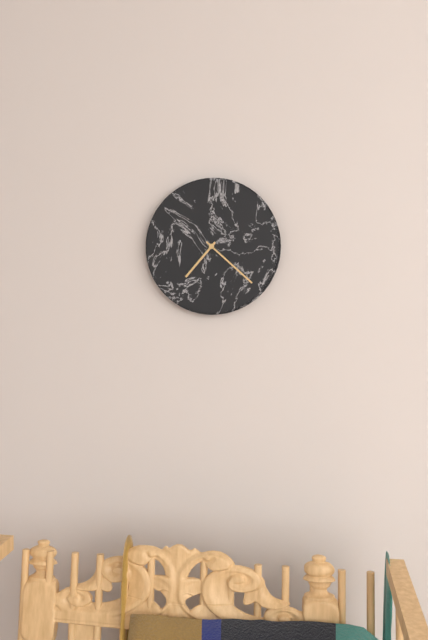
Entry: h=7 m=22
